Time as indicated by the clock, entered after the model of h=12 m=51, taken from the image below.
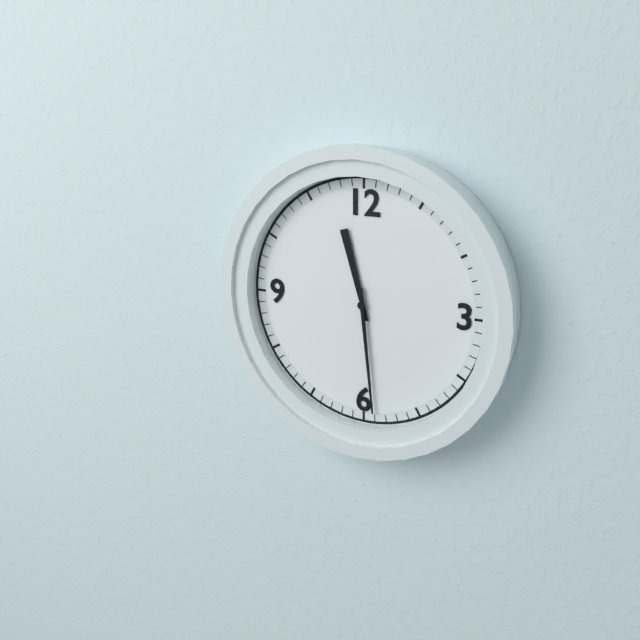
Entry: h=11 m=29
